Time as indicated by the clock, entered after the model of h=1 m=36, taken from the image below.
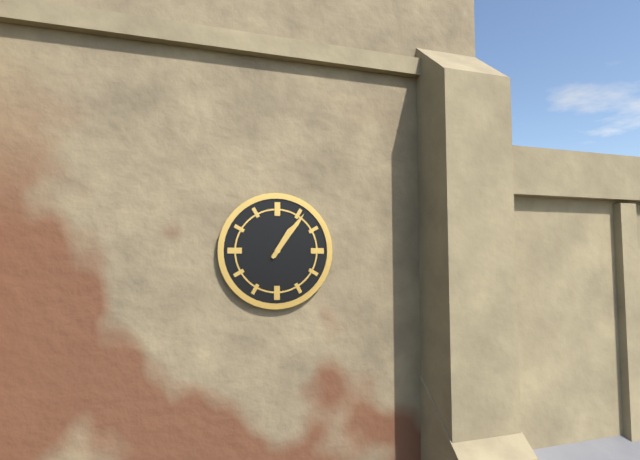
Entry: h=1 m=6
